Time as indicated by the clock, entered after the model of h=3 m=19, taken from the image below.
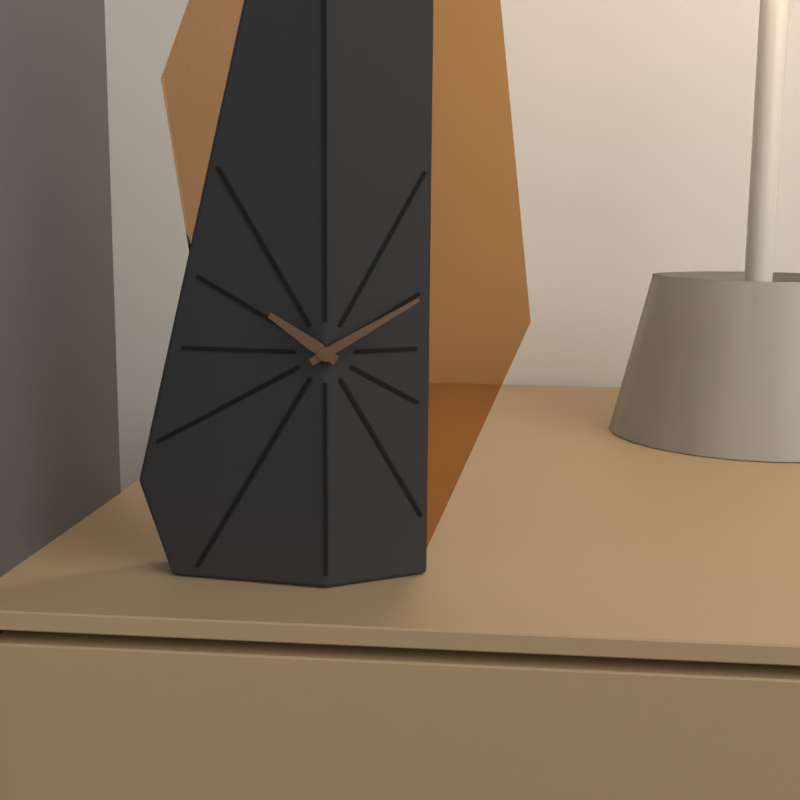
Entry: h=10 m=10
